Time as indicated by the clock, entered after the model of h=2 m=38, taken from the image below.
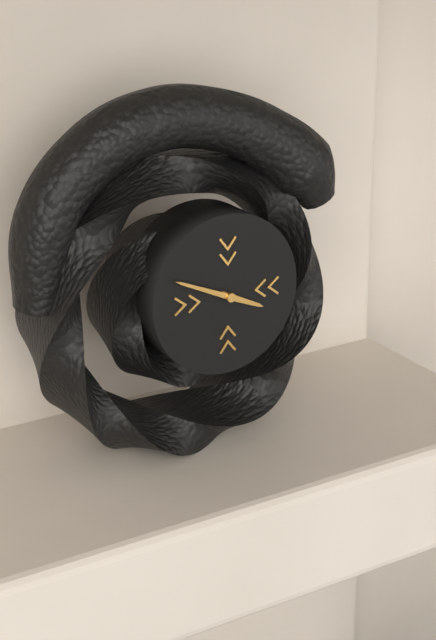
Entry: h=3 m=49
